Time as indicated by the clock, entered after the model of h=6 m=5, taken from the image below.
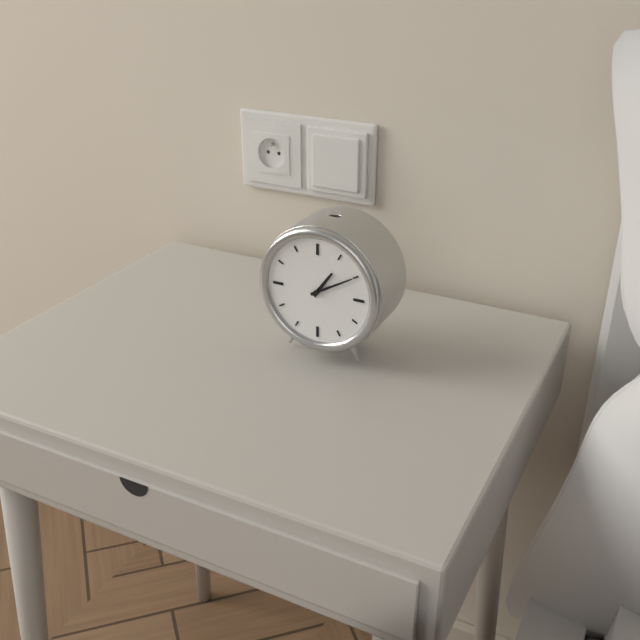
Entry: h=1 m=10
